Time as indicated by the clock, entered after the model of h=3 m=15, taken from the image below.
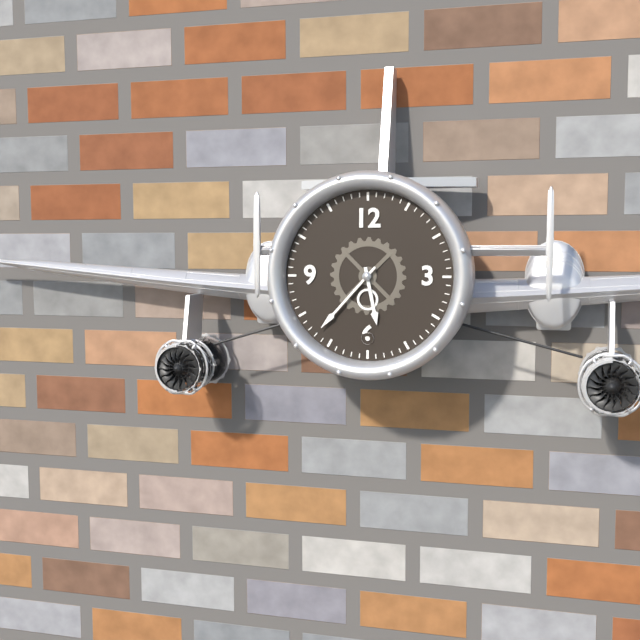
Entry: h=5 m=37
